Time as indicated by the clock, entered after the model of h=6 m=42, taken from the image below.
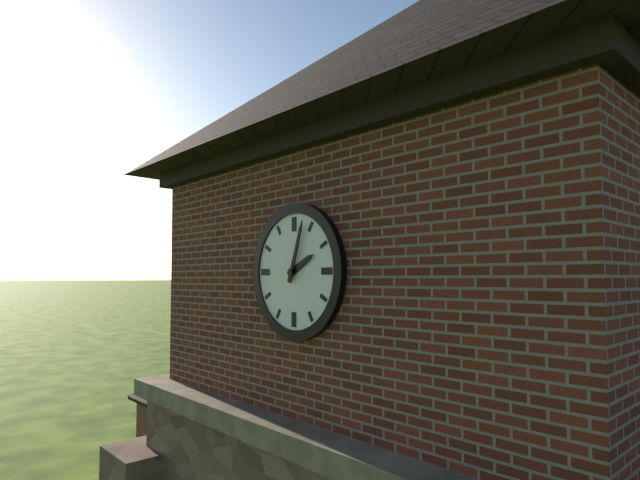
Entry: h=2 m=3
